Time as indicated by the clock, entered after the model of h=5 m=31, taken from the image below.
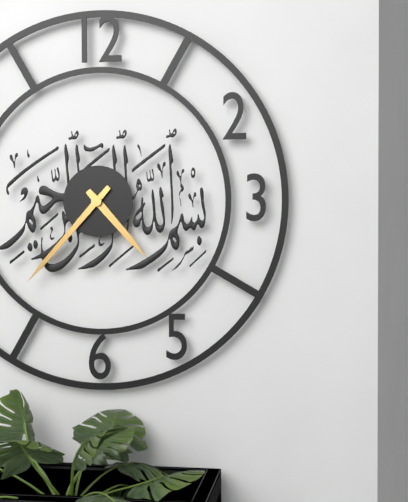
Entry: h=4 m=37
